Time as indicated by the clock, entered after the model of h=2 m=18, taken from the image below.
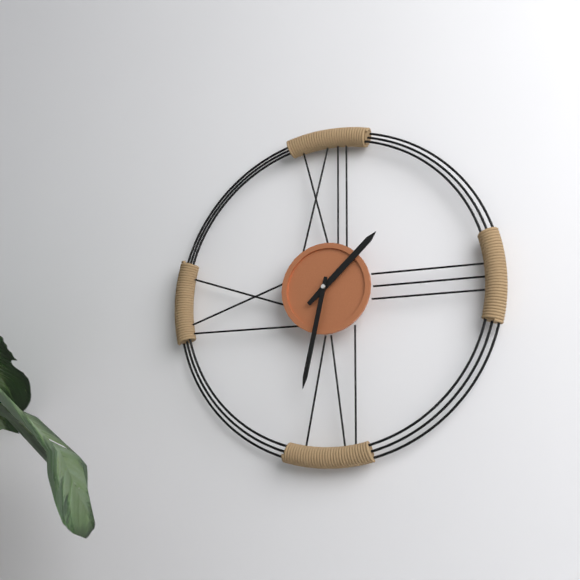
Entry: h=1 m=32
